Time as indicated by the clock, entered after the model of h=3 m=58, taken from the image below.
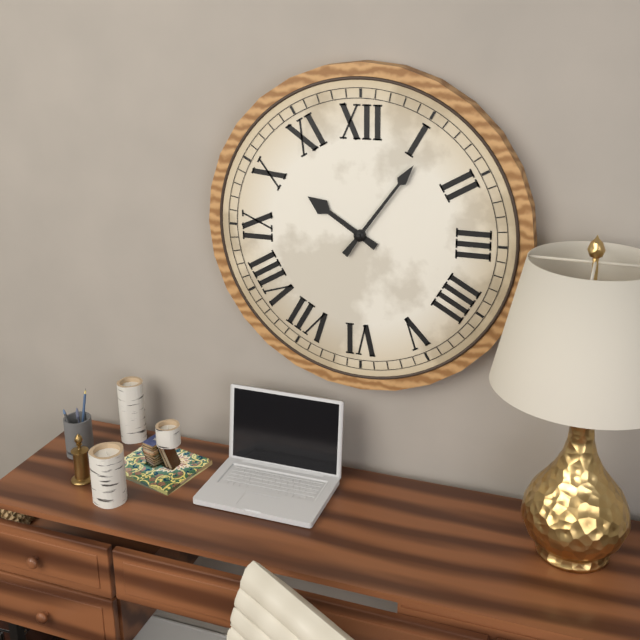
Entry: h=10 m=6
